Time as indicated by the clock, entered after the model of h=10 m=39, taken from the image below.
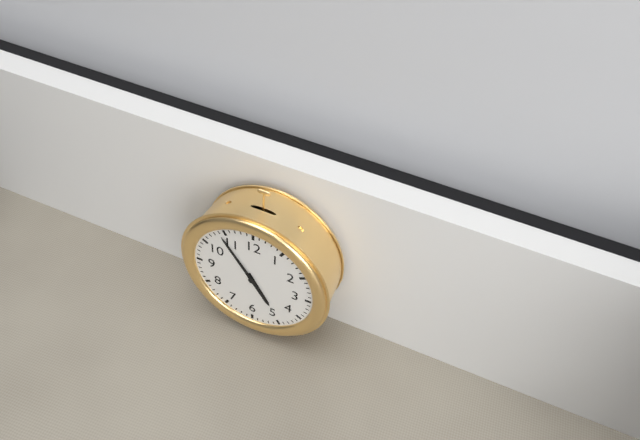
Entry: h=4 m=54
